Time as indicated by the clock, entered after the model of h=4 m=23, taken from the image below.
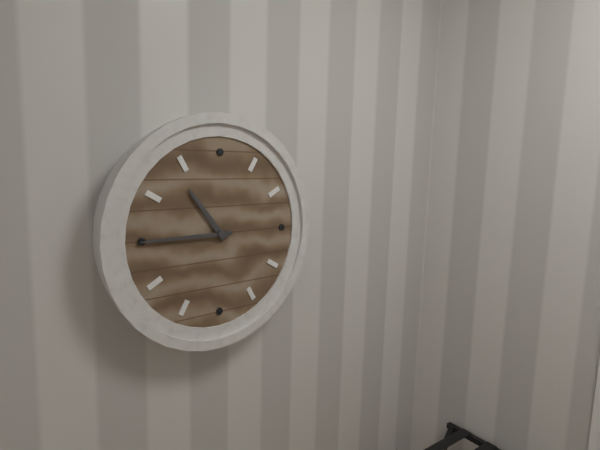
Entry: h=10 m=45
